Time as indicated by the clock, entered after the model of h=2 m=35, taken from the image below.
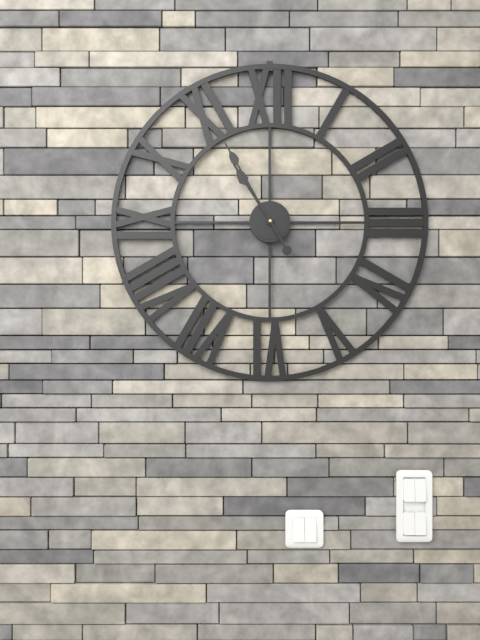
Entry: h=10 m=55
